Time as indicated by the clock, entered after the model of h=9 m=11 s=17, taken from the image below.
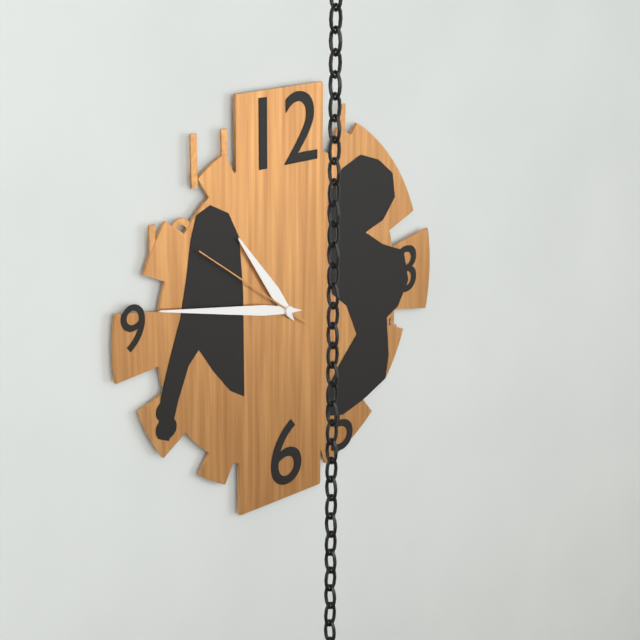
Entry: h=10 m=47 s=51
